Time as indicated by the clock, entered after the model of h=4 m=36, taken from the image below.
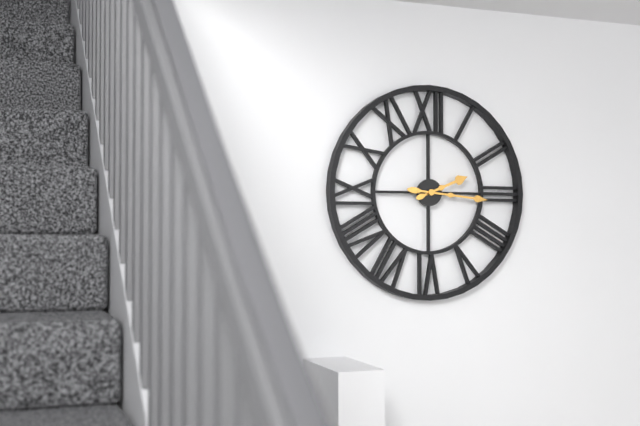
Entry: h=2 m=16
